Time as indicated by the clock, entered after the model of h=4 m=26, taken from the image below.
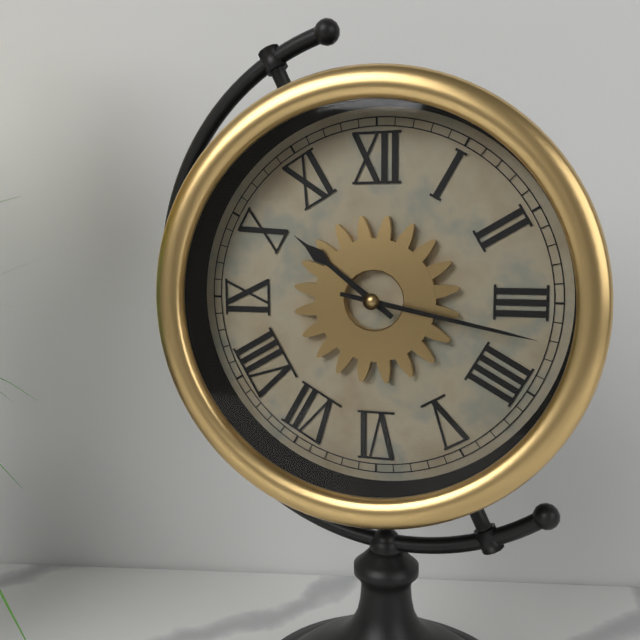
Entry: h=10 m=17
